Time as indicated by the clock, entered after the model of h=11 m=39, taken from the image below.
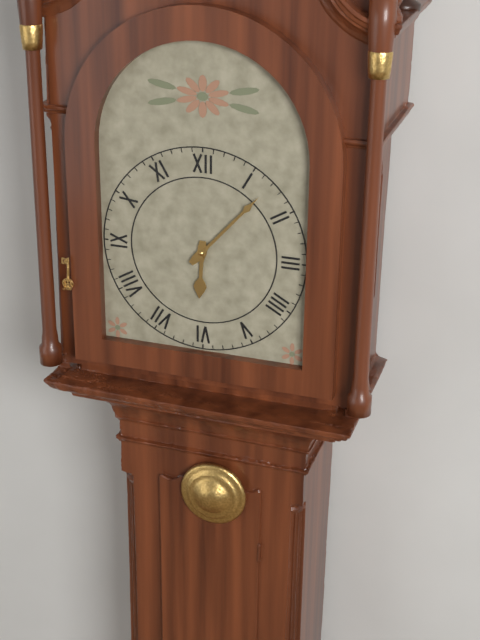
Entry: h=6 m=7
